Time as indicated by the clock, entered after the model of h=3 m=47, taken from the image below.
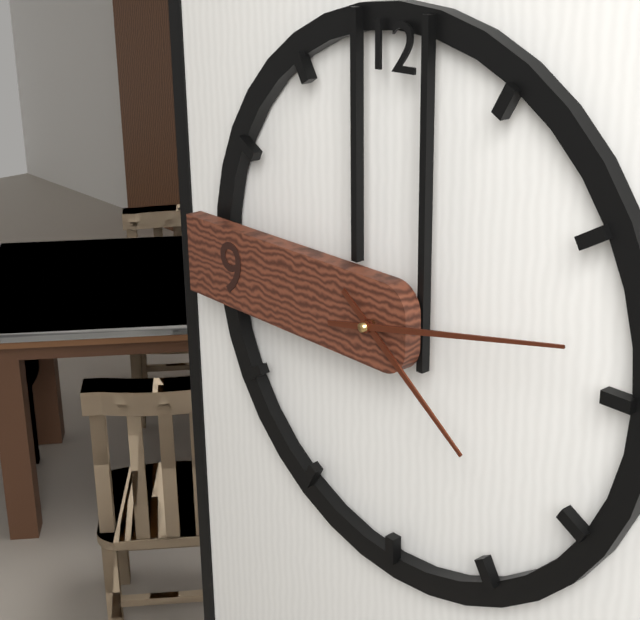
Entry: h=4 m=13
